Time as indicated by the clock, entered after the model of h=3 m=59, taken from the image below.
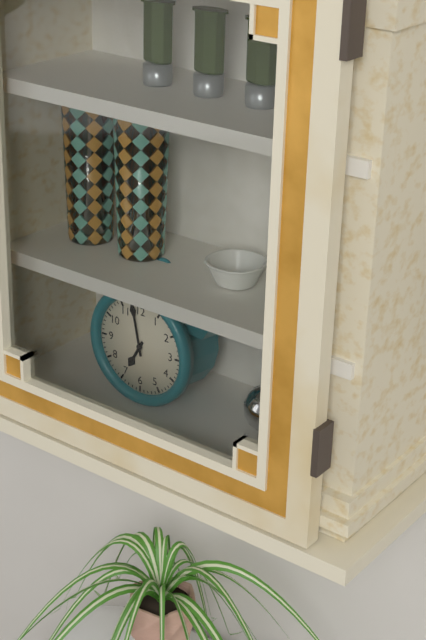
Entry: h=6 m=58
